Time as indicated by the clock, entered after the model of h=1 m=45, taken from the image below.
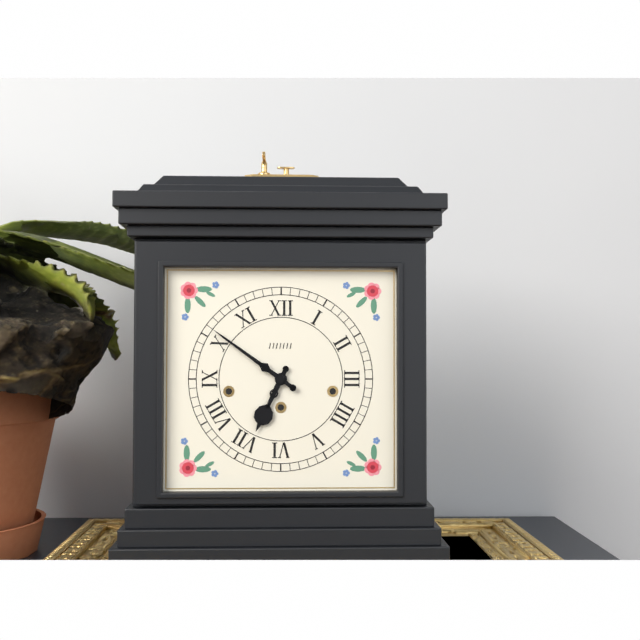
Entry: h=6 m=51
